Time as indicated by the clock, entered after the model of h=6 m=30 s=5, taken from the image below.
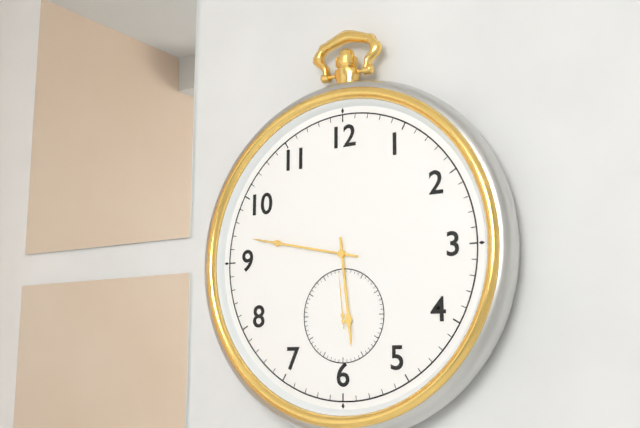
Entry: h=5 m=47 s=59
